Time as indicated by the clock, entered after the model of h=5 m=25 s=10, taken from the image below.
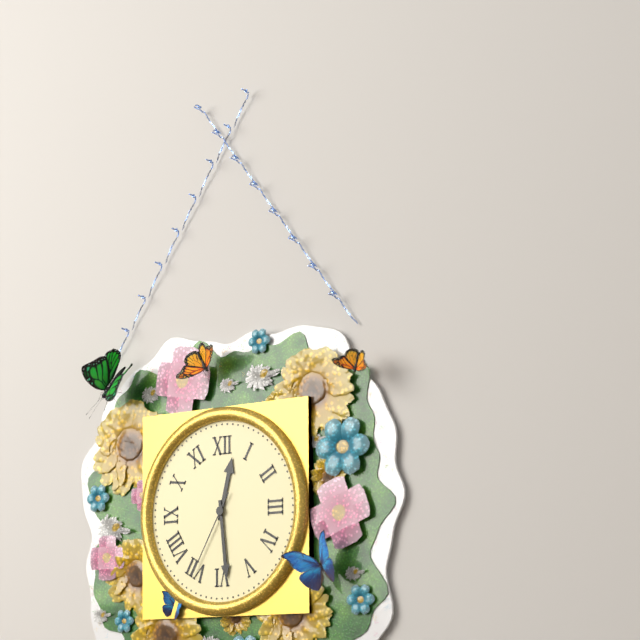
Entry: h=12 m=29 s=35
